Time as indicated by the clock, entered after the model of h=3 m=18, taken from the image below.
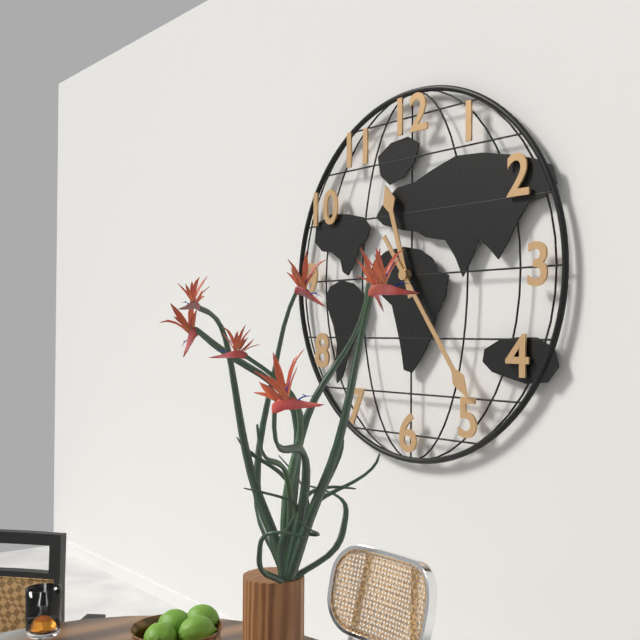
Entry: h=11 m=24
